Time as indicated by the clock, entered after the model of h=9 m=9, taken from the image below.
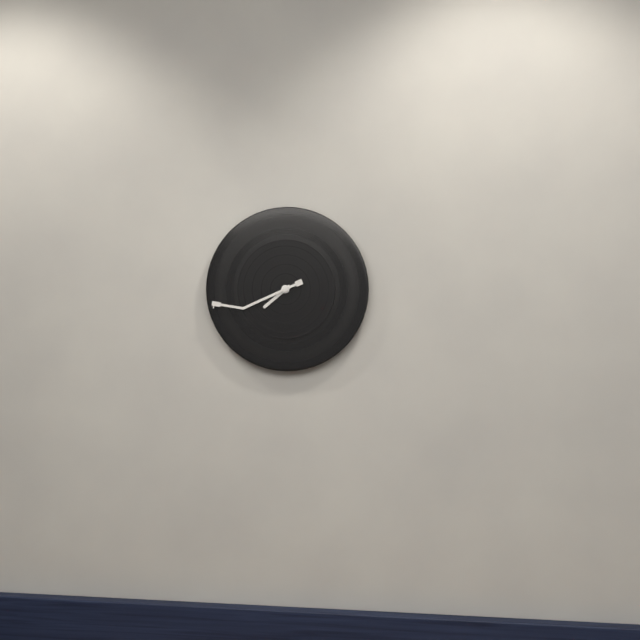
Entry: h=7 m=41
